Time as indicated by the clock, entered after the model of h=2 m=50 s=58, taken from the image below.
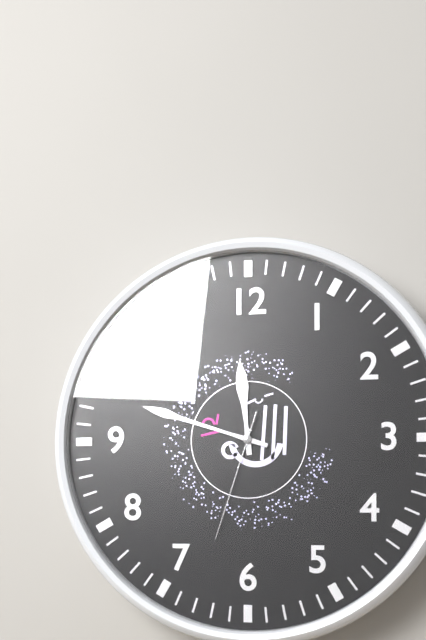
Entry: h=11 m=48 s=33
